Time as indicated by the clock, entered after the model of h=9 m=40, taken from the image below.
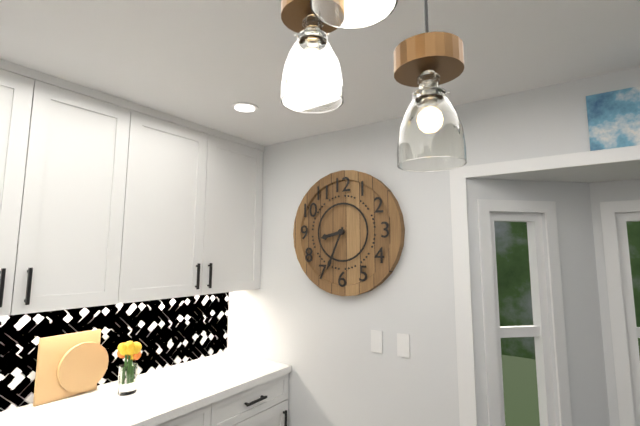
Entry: h=8 m=34
